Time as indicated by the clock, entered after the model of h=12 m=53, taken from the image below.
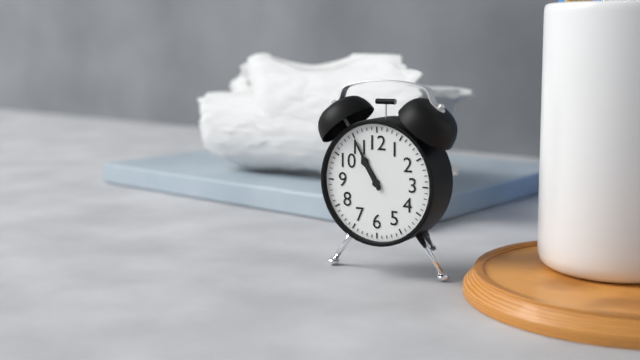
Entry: h=10 m=55
